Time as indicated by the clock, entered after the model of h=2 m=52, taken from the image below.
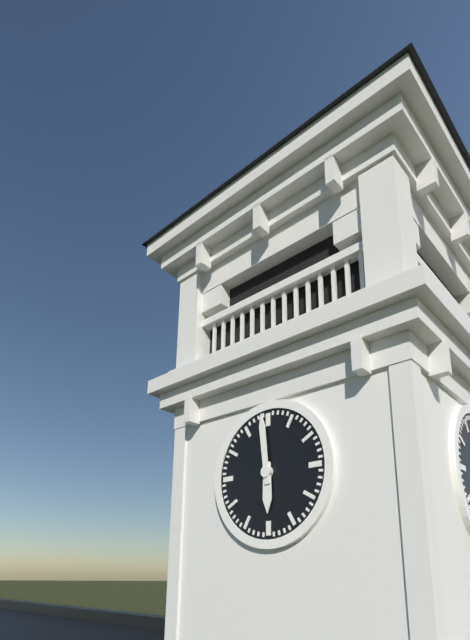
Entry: h=5 m=59
